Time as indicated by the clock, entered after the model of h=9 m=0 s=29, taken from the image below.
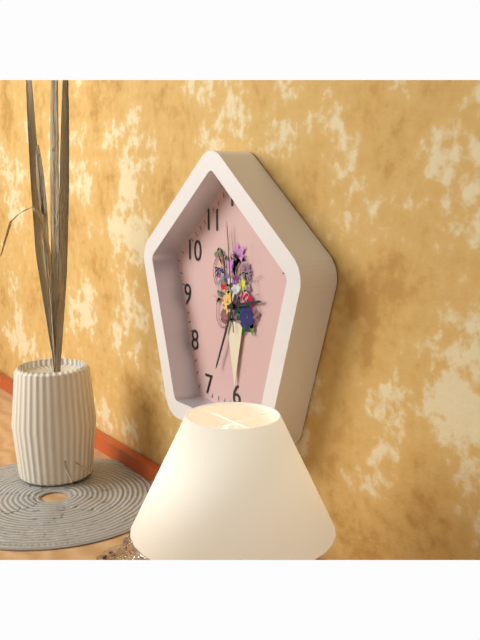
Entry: h=2 m=34 s=59
